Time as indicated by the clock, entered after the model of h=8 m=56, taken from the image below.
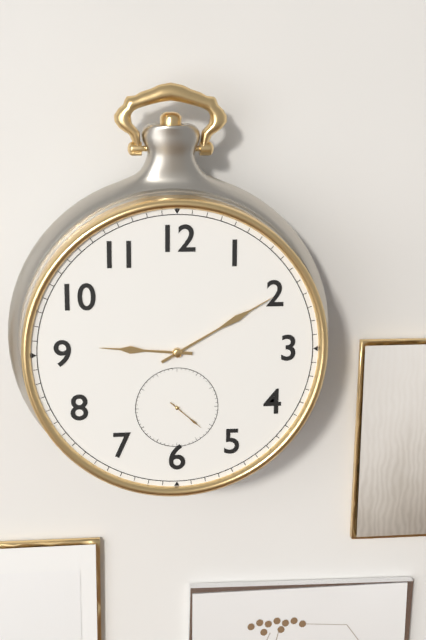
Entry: h=9 m=10
